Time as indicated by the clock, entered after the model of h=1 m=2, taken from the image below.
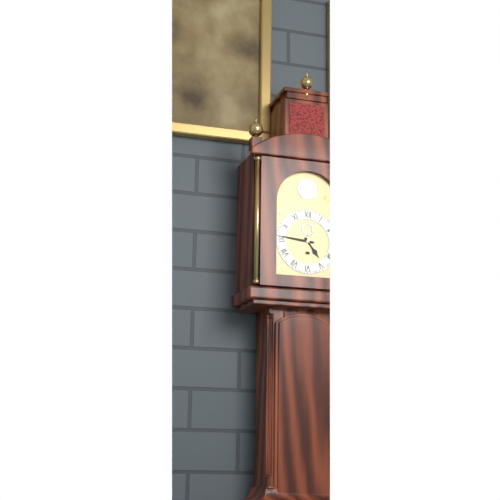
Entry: h=4 m=46
